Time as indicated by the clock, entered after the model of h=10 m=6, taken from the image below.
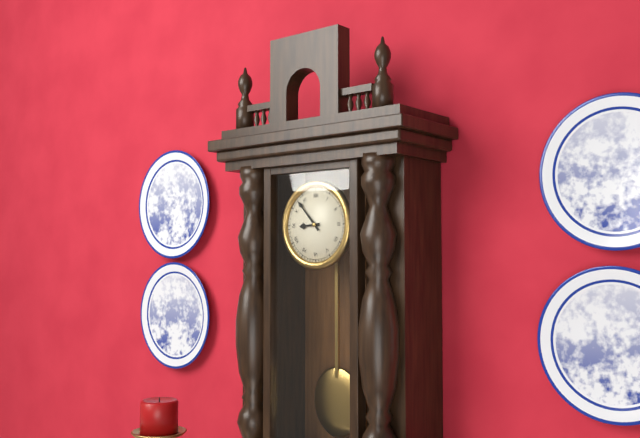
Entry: h=8 m=53
